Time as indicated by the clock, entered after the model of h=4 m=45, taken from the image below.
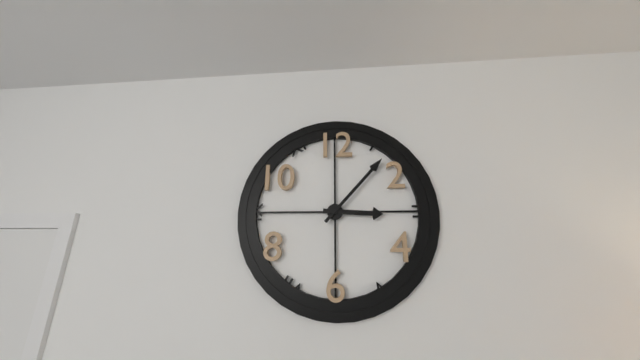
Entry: h=3 m=7
